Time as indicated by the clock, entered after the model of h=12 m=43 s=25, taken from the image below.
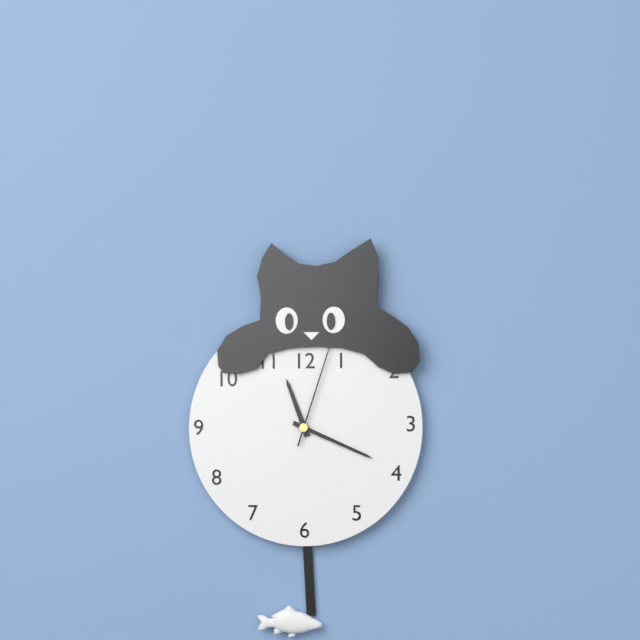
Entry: h=11 m=19 s=3
